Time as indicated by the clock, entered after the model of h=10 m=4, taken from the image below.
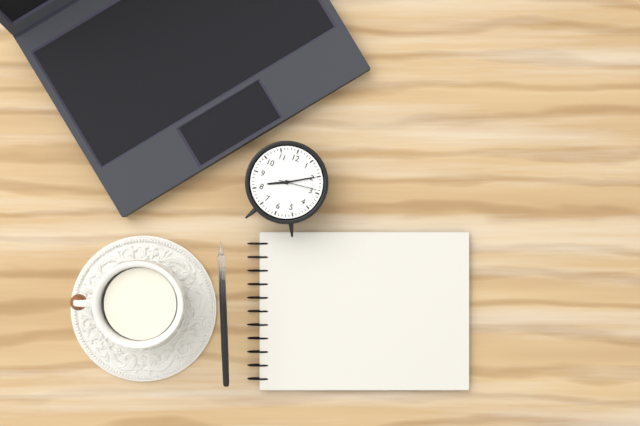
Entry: h=8 m=10
